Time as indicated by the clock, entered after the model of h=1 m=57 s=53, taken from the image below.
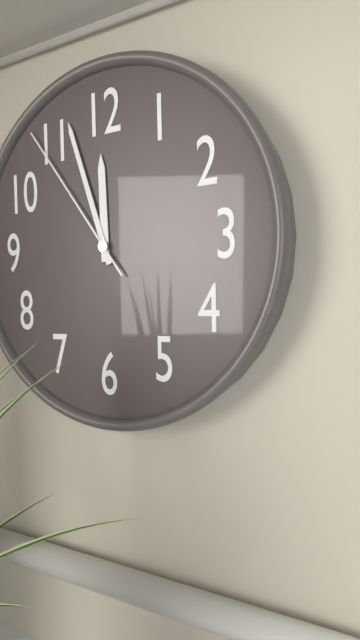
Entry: h=11 m=57 s=54
